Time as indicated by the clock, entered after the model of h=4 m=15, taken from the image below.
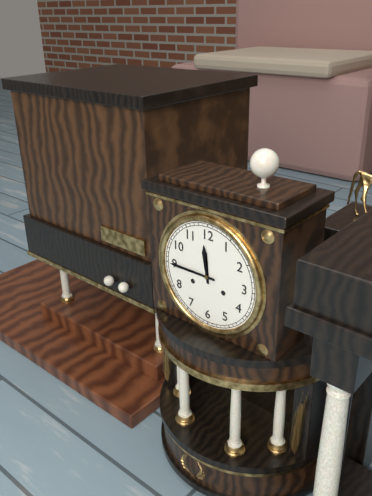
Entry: h=11 m=45
